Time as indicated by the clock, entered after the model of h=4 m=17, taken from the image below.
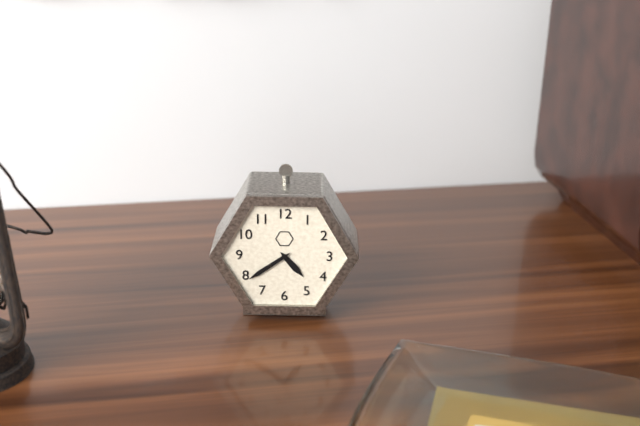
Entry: h=4 m=39
